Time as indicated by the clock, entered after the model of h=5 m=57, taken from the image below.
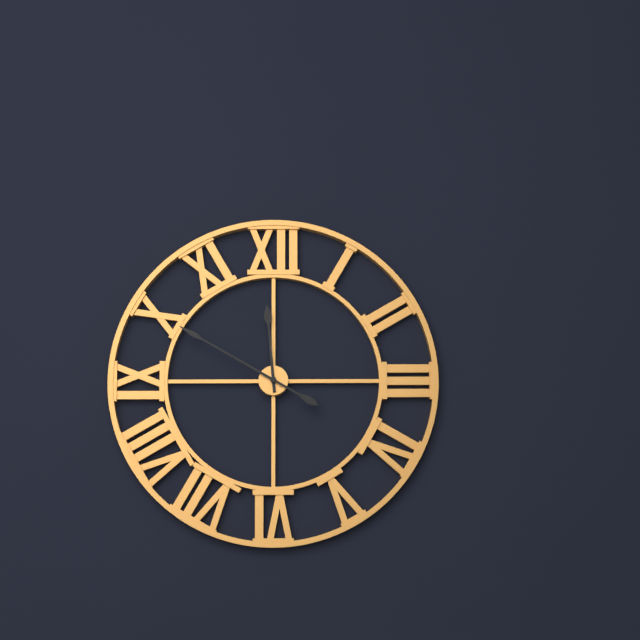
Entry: h=11 m=50
